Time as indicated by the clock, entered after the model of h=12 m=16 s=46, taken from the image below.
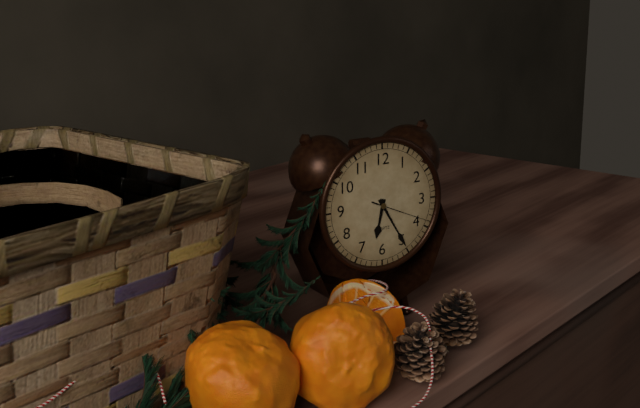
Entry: h=6 m=25 s=19
